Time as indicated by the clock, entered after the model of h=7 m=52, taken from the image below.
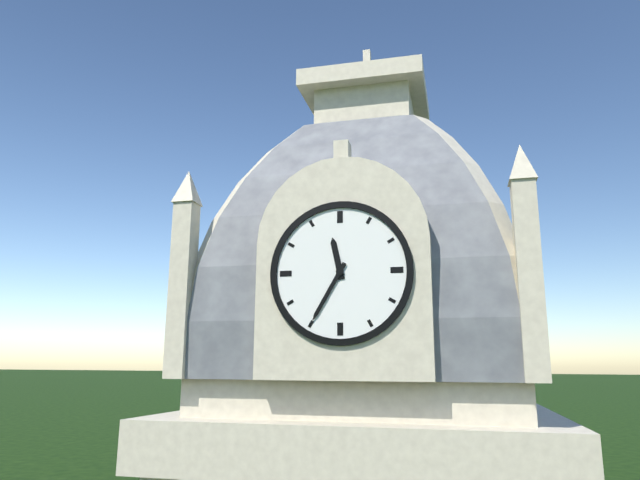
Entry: h=11 m=35
